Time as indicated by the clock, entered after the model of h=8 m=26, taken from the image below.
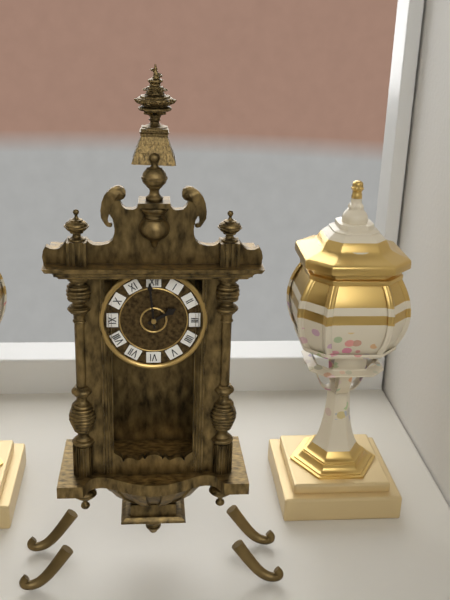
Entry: h=1 m=59
